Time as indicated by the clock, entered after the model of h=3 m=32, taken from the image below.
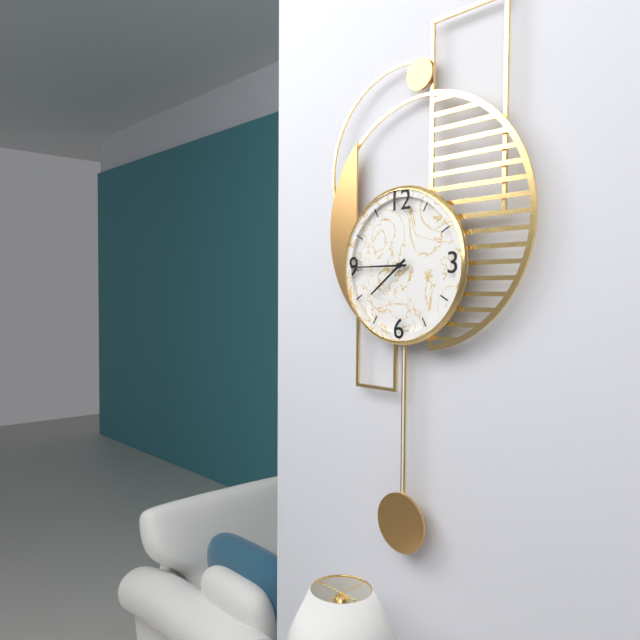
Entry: h=7 m=45
